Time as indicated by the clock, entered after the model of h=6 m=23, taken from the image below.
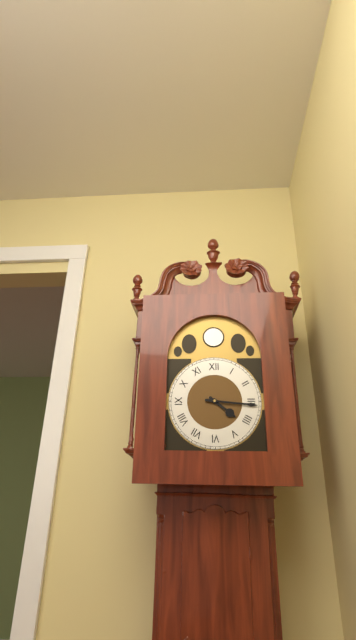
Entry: h=4 m=16
